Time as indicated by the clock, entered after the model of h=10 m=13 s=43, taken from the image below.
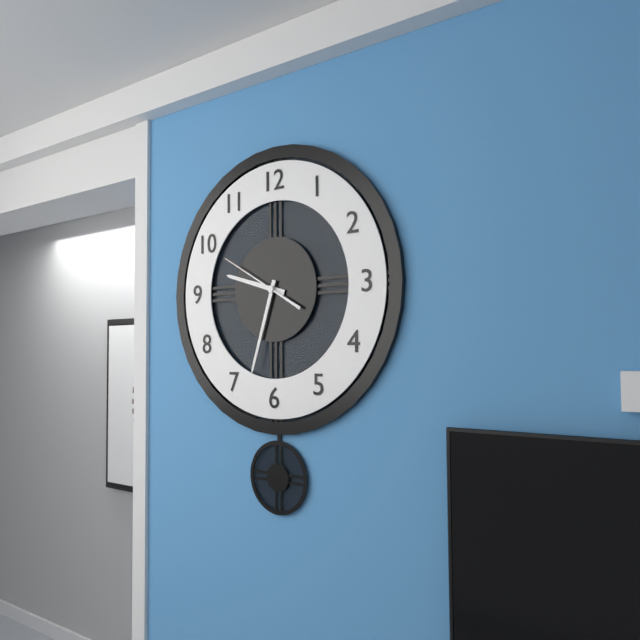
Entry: h=9 m=33 s=50
